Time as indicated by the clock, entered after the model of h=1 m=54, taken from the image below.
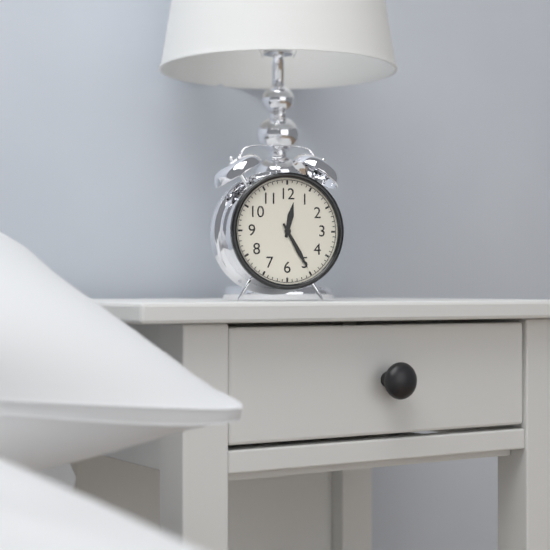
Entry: h=12 m=25
